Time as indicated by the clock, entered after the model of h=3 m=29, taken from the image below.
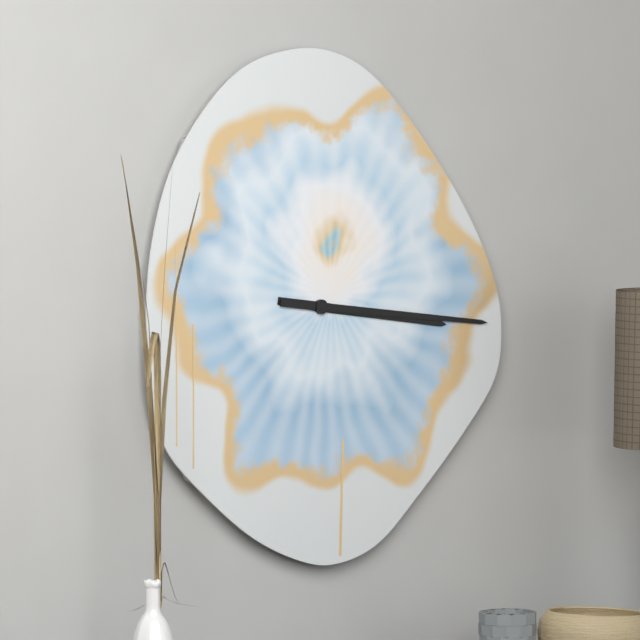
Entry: h=3 m=16
